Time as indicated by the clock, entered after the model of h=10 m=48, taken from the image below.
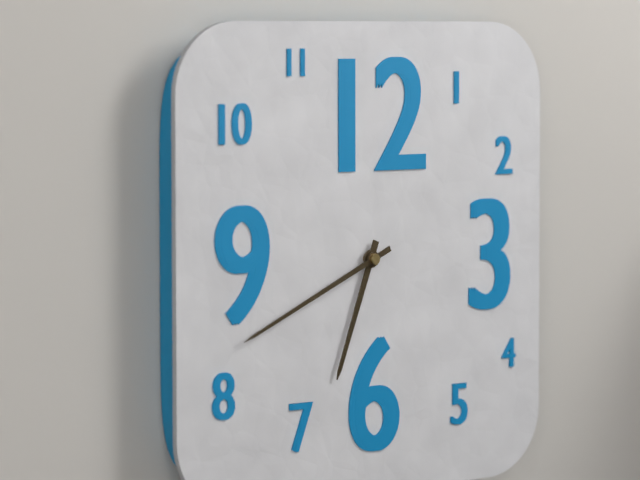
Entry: h=6 m=41
